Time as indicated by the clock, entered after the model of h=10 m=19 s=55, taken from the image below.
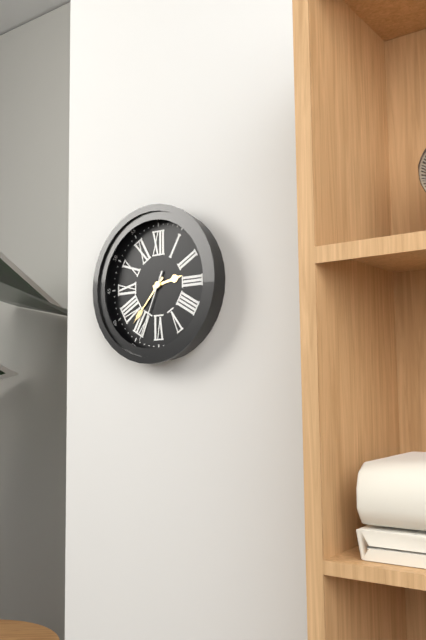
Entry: h=2 m=37 s=34
